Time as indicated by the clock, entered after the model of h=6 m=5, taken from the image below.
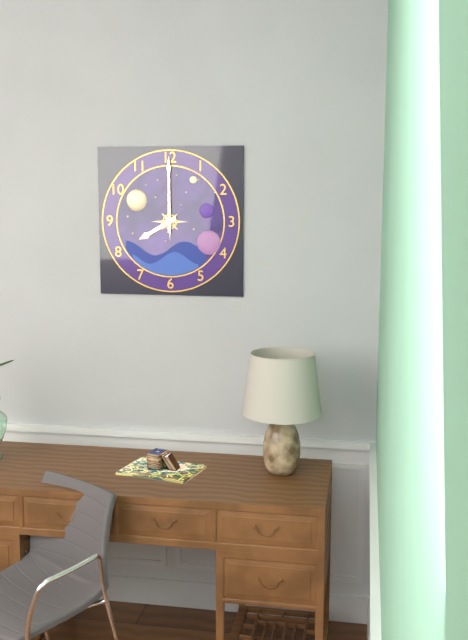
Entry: h=8 m=0
